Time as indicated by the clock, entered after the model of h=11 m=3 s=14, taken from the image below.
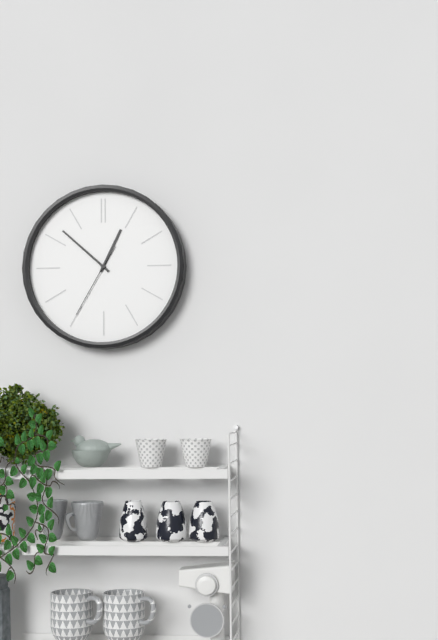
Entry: h=12 m=52 s=35
